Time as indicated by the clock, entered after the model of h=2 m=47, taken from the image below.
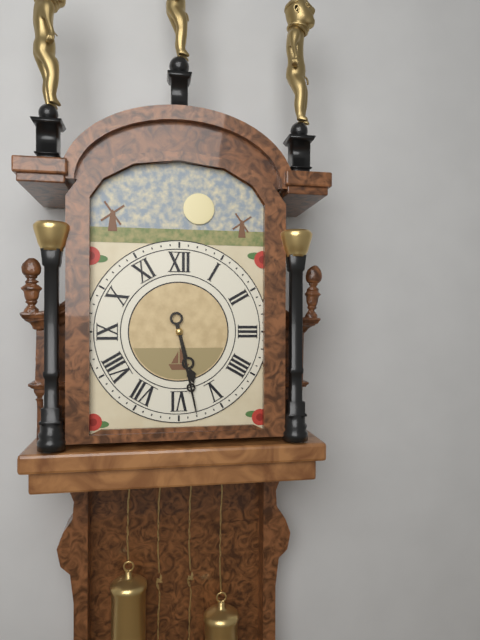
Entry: h=5 m=28
